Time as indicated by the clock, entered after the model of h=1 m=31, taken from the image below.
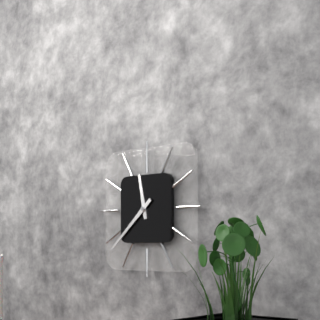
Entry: h=11 m=38
